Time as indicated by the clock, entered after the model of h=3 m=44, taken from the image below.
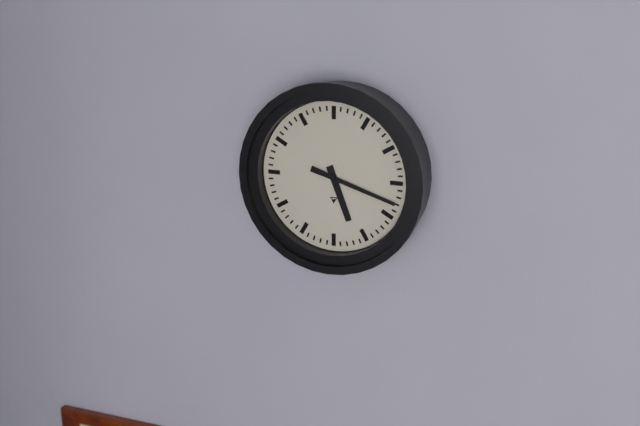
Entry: h=5 m=18
